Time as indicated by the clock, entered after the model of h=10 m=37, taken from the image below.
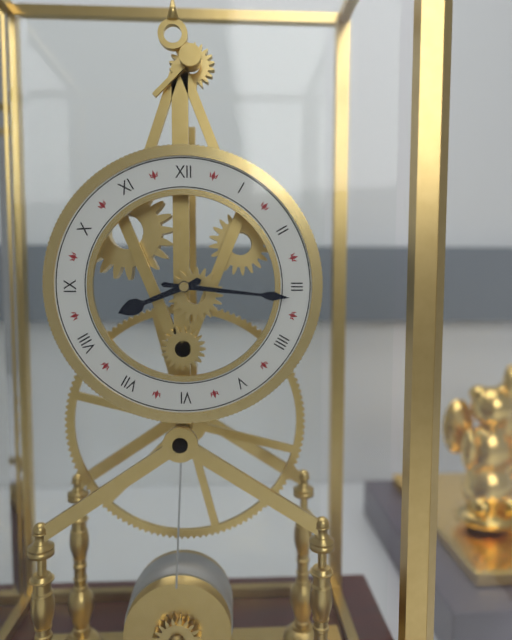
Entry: h=8 m=16
